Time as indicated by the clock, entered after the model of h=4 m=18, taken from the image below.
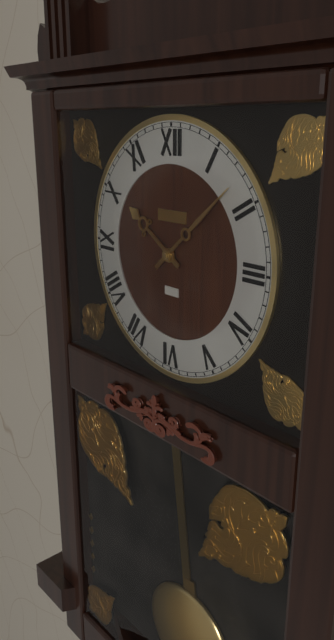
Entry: h=10 m=8
